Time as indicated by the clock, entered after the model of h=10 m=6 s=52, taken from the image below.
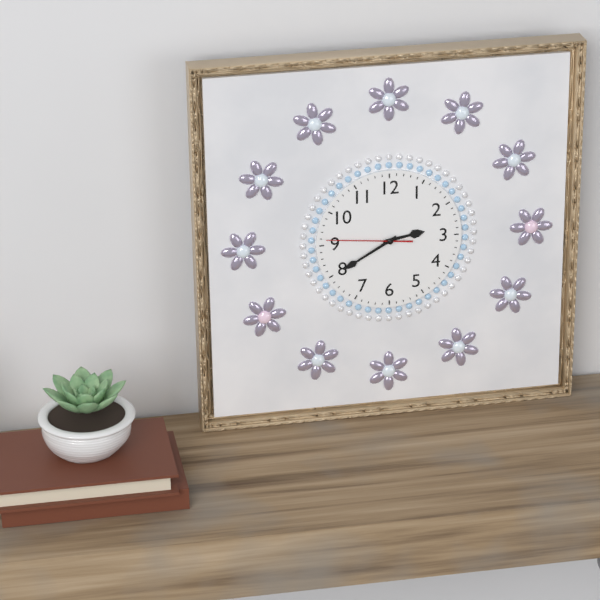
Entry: h=2 m=40 s=46
